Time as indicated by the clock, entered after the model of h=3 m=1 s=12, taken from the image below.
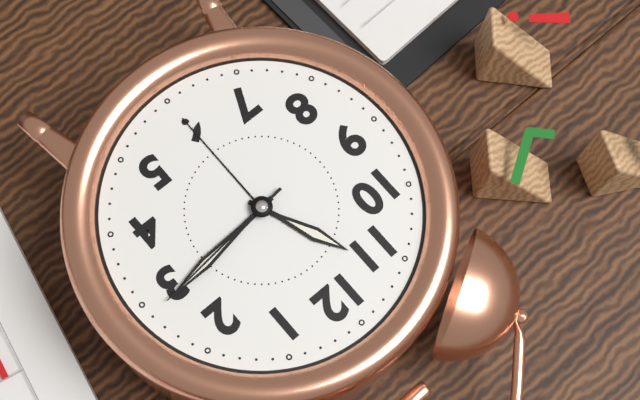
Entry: h=11 m=14 s=14
